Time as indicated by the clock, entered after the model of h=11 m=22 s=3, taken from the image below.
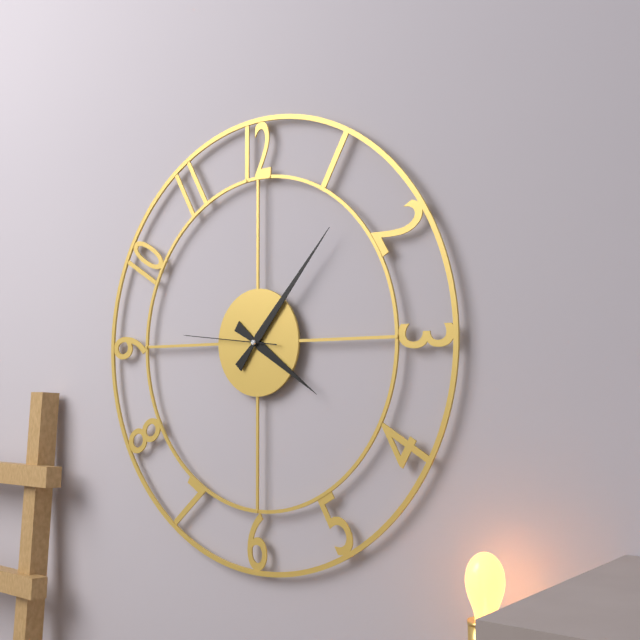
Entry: h=4 m=7 s=46
